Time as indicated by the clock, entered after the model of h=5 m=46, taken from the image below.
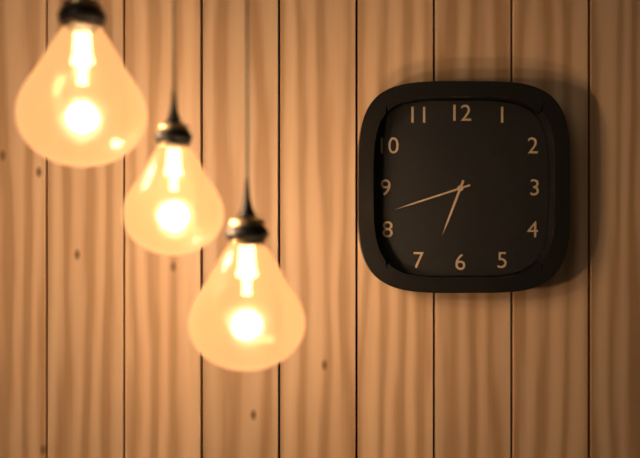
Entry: h=6 m=42
